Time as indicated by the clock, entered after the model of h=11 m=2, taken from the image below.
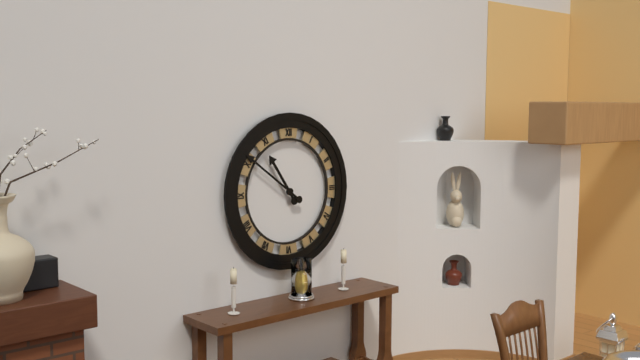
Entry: h=10 m=51
